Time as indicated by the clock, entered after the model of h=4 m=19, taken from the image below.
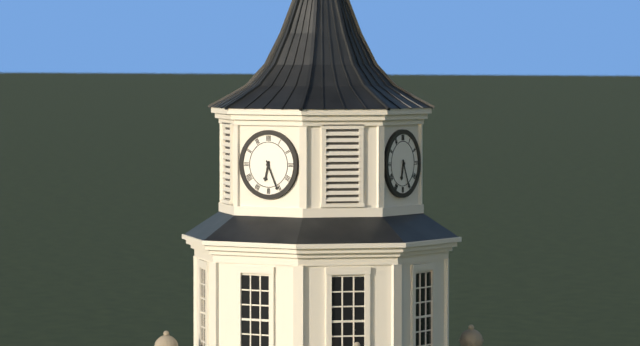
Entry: h=6 m=26
